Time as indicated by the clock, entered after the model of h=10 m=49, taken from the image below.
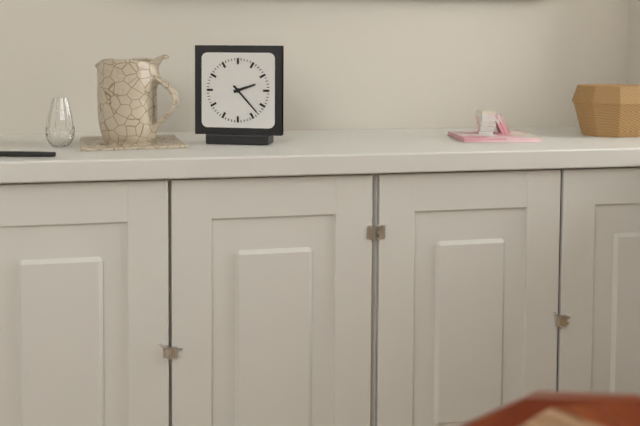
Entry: h=2 m=23
